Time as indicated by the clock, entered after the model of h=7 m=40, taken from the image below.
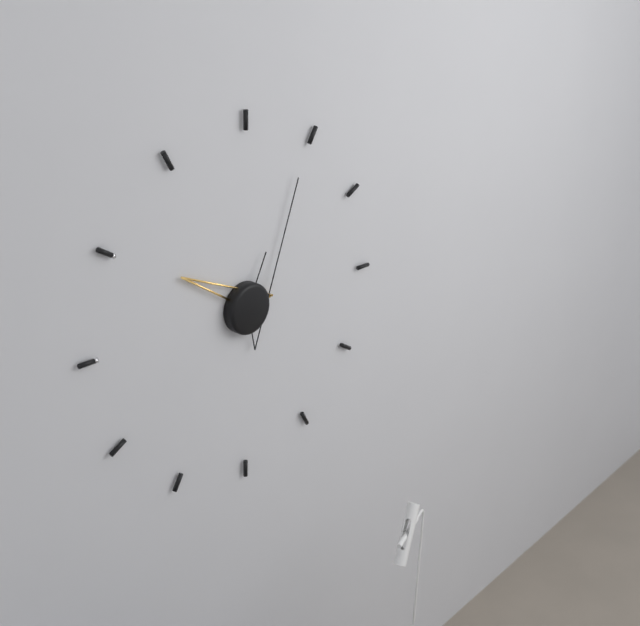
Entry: h=10 m=5
